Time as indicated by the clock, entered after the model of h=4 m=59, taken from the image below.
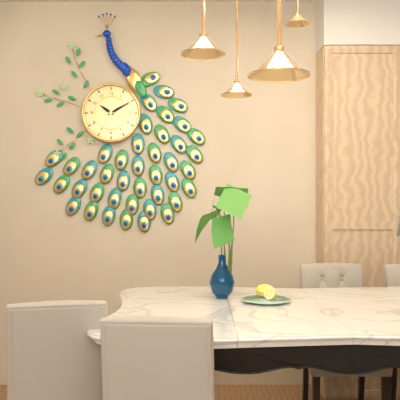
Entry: h=10 m=10
